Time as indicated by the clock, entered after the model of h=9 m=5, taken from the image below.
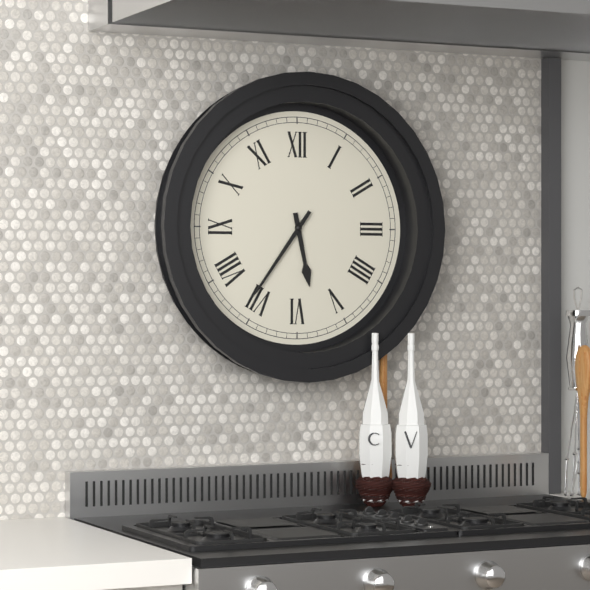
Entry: h=5 m=36
